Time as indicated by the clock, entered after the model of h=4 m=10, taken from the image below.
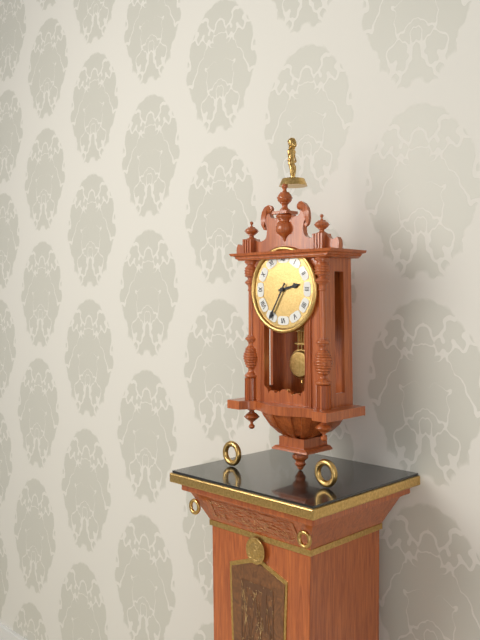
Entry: h=2 m=35
